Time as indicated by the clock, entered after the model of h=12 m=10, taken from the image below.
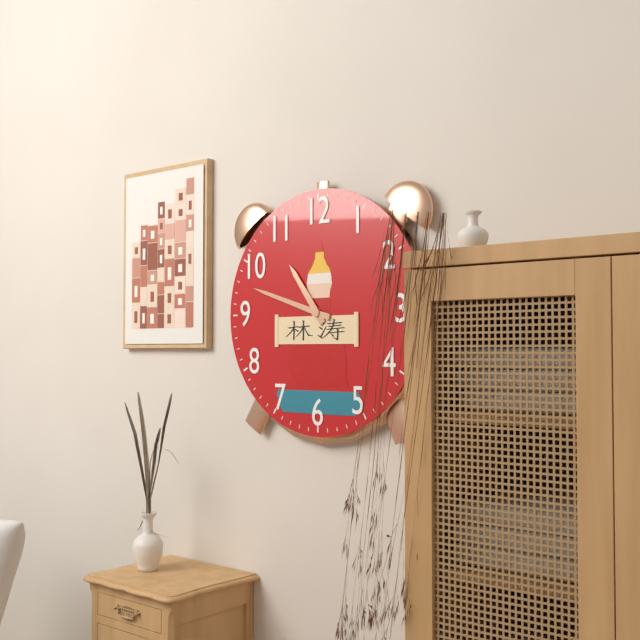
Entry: h=10 m=48
